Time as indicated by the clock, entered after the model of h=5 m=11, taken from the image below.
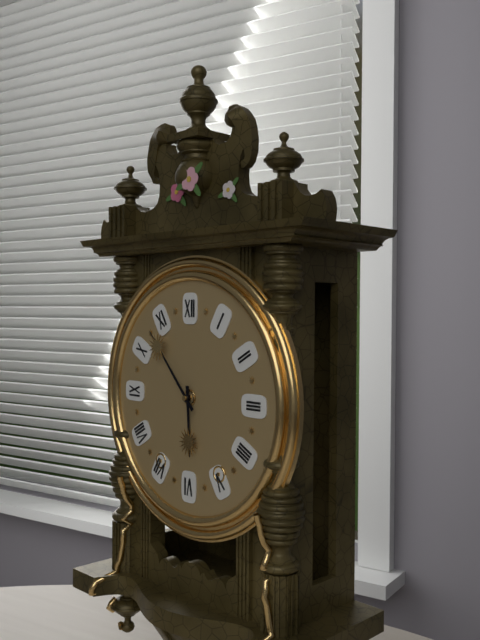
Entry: h=5 m=53
